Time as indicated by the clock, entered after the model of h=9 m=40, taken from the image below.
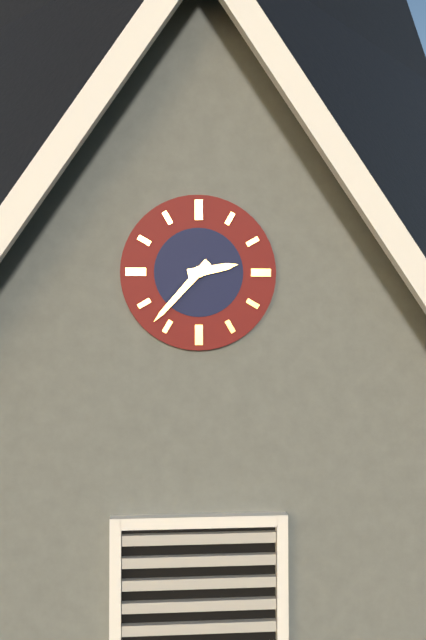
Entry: h=2 m=37
